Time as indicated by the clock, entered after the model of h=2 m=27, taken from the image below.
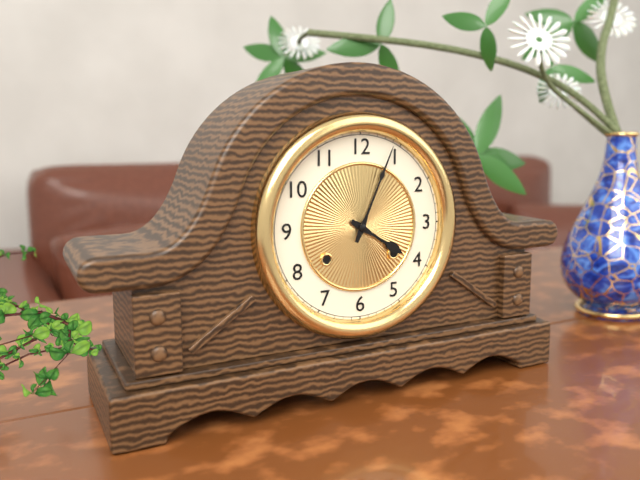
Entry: h=4 m=4
